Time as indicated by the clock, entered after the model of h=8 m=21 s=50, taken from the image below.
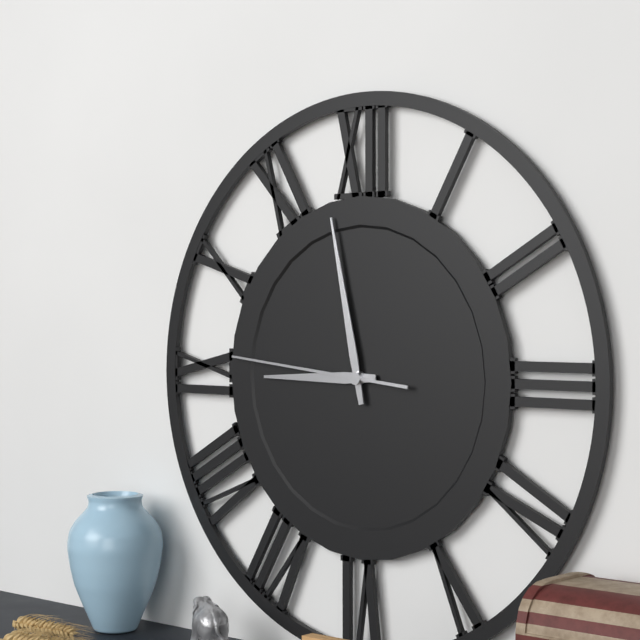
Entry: h=8 m=58 s=46
